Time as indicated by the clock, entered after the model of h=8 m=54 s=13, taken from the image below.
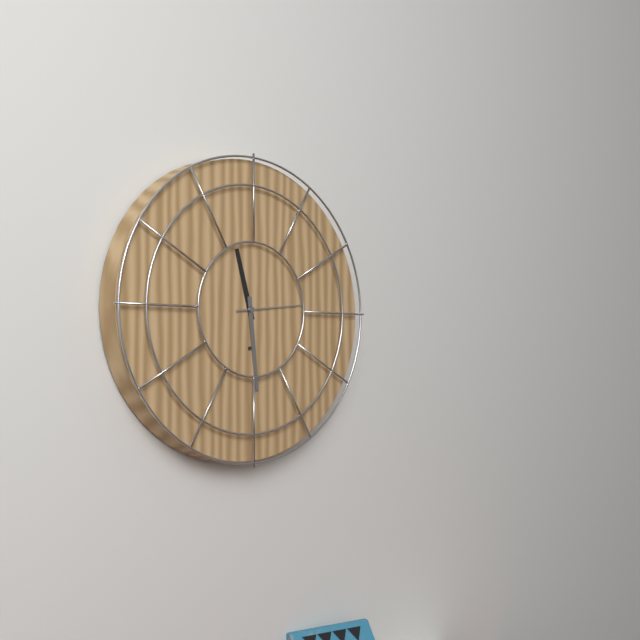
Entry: h=11 m=29 s=14
